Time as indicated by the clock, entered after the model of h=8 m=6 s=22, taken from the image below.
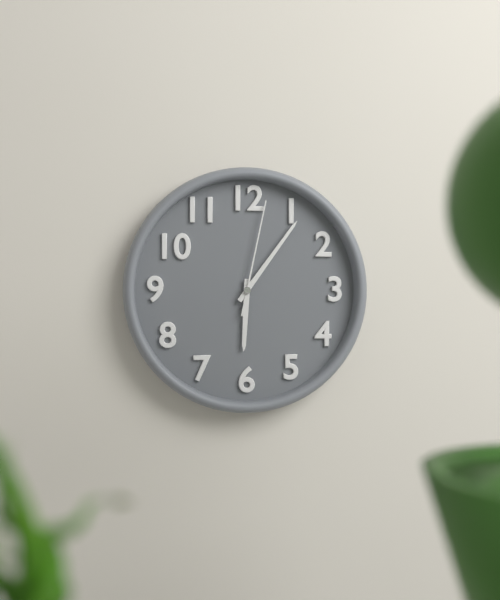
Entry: h=6 m=6 s=2
